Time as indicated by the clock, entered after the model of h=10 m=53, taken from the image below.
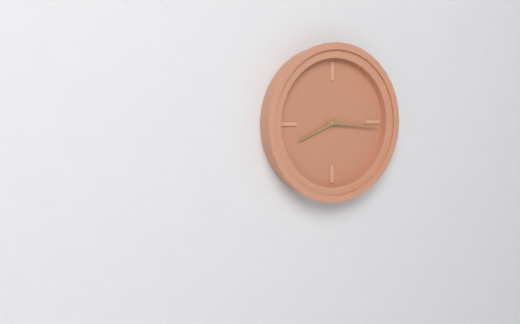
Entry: h=8 m=16
